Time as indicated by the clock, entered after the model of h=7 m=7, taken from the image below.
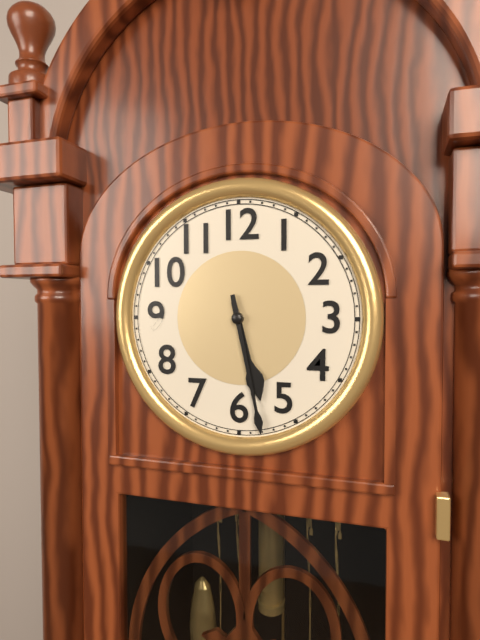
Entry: h=5 m=28
